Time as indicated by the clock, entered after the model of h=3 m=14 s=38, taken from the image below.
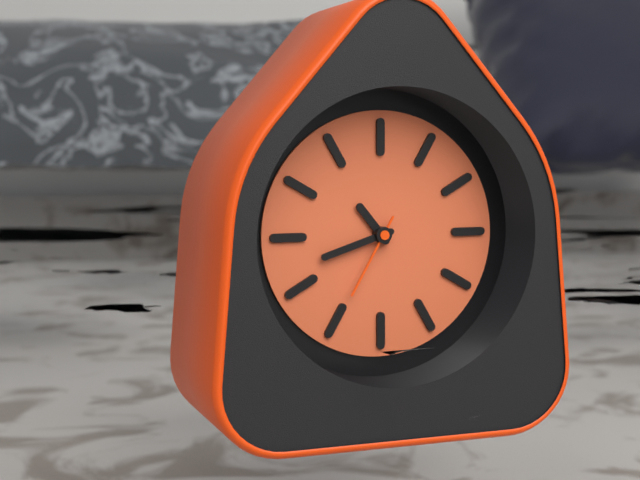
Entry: h=10 m=42 s=35
